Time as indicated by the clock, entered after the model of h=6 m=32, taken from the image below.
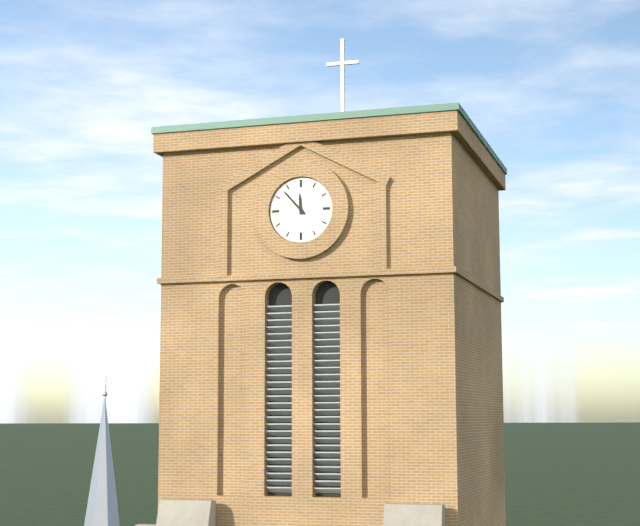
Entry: h=11 m=53
